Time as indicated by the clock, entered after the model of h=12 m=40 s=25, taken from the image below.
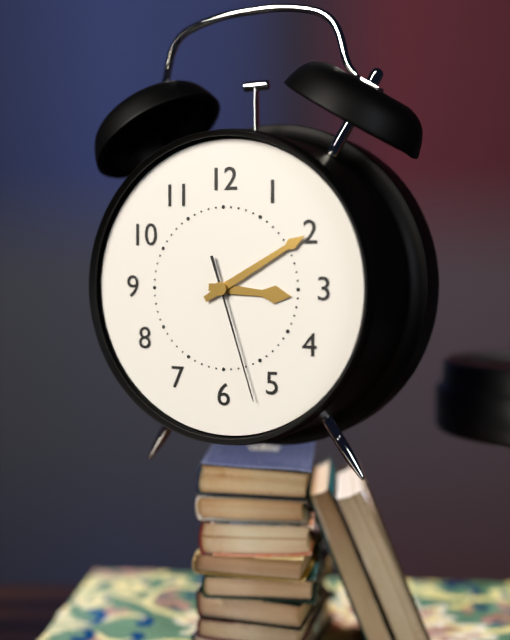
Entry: h=3 m=10 s=27
